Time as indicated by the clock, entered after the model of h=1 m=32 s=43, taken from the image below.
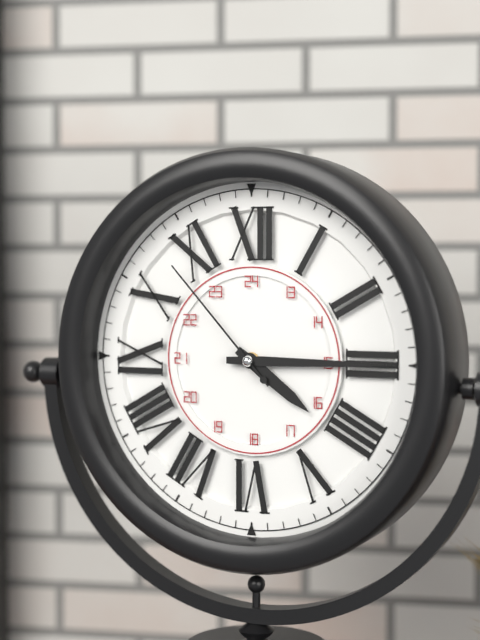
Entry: h=4 m=15 s=53
